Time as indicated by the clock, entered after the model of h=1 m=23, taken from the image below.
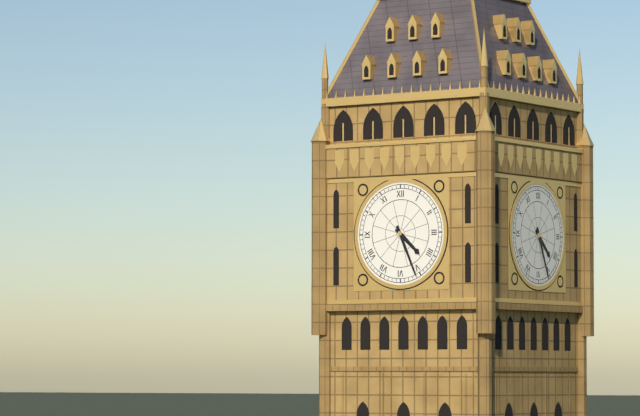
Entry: h=4 m=26
